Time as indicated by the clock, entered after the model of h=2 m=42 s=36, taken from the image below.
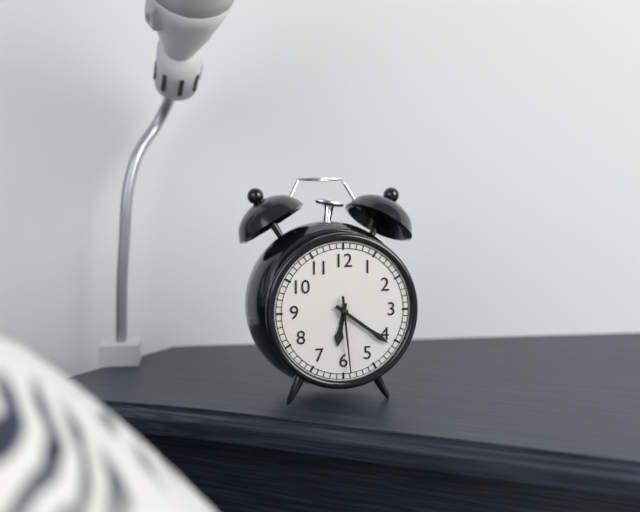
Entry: h=6 m=21 s=29
